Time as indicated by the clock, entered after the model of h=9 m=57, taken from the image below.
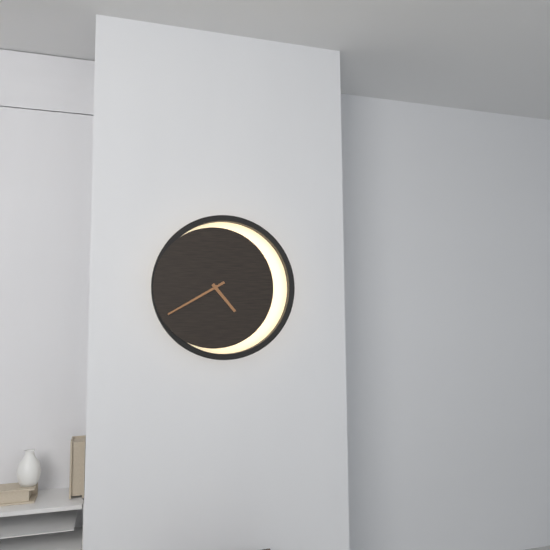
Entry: h=4 m=40
